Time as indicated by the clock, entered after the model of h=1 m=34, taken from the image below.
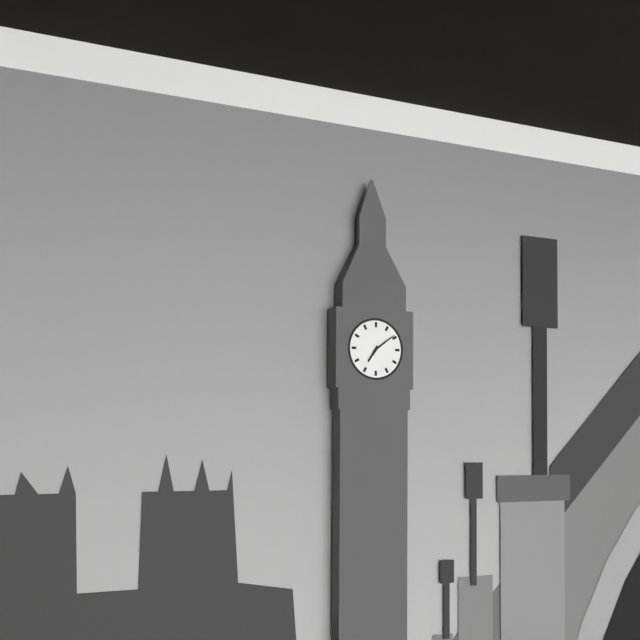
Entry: h=7 m=9
